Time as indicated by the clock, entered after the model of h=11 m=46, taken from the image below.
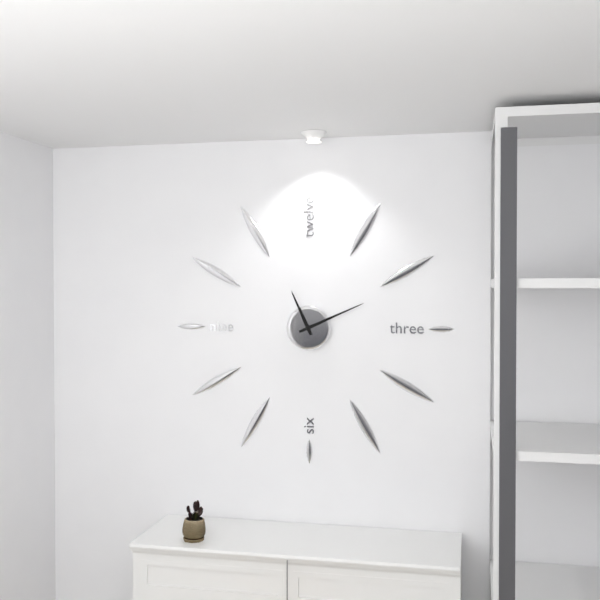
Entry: h=11 m=11
